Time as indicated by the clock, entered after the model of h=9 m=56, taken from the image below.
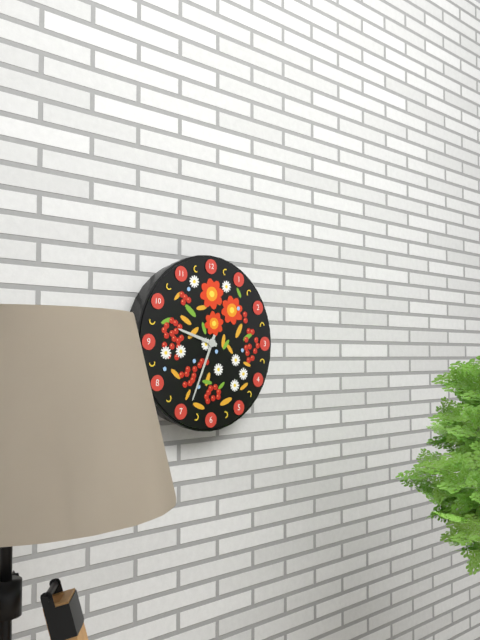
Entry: h=9 m=34
